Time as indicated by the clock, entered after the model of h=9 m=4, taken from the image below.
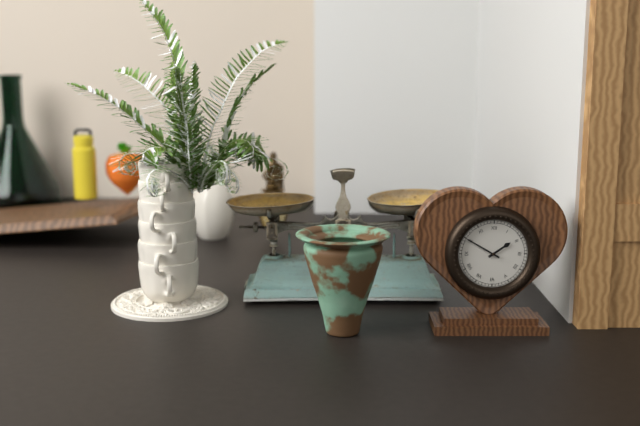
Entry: h=1 m=50
